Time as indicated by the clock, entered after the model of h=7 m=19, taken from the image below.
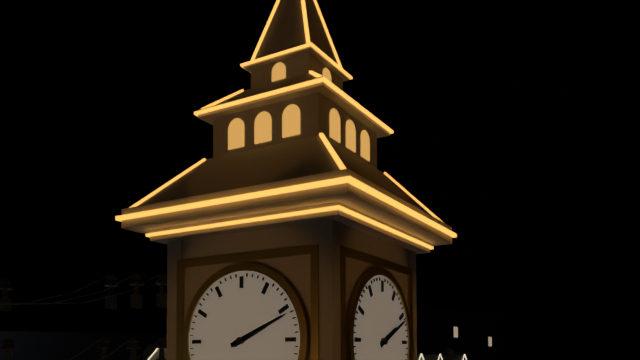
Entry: h=2 m=11
